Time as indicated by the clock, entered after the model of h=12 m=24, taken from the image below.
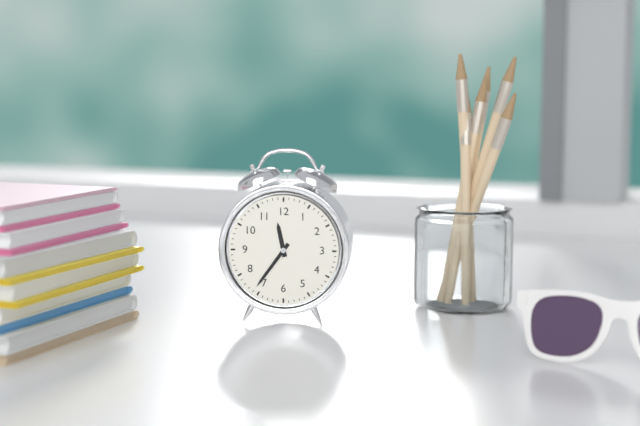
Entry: h=11 m=36
